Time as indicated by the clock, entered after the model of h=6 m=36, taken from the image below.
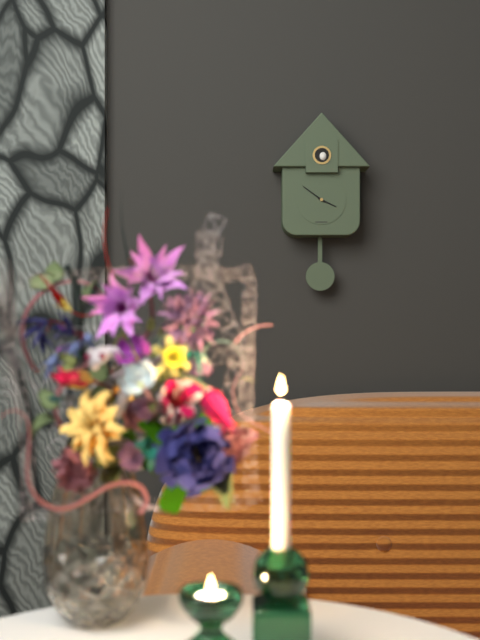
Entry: h=3 m=51
